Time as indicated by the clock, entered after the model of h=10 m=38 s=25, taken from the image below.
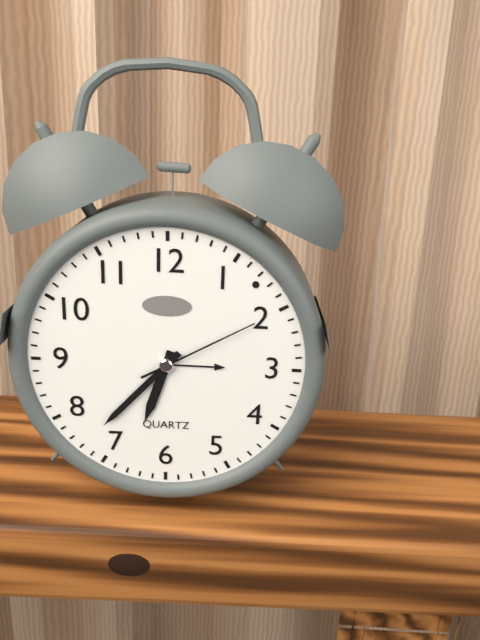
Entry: h=6 m=37 s=10
